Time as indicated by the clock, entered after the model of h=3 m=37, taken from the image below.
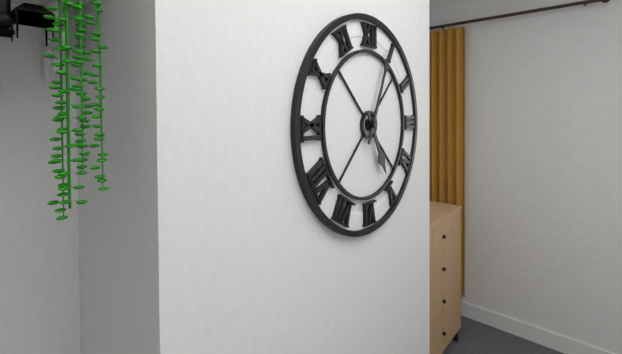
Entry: h=5 m=4
